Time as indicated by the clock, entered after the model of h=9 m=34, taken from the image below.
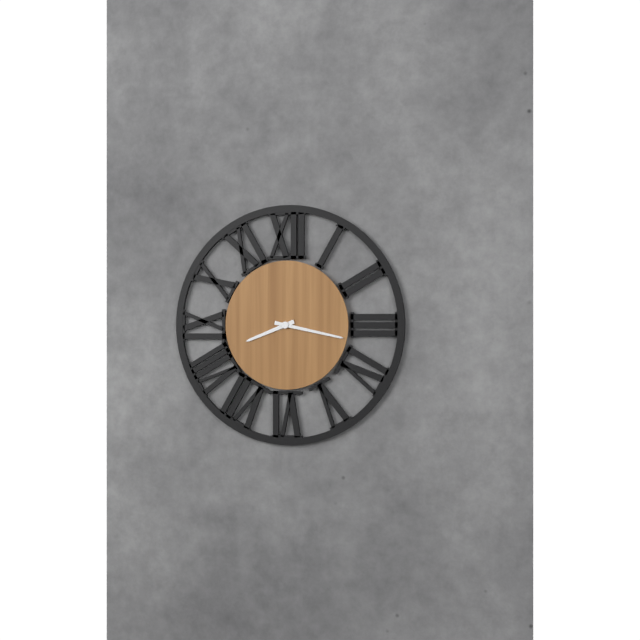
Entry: h=8 m=17
